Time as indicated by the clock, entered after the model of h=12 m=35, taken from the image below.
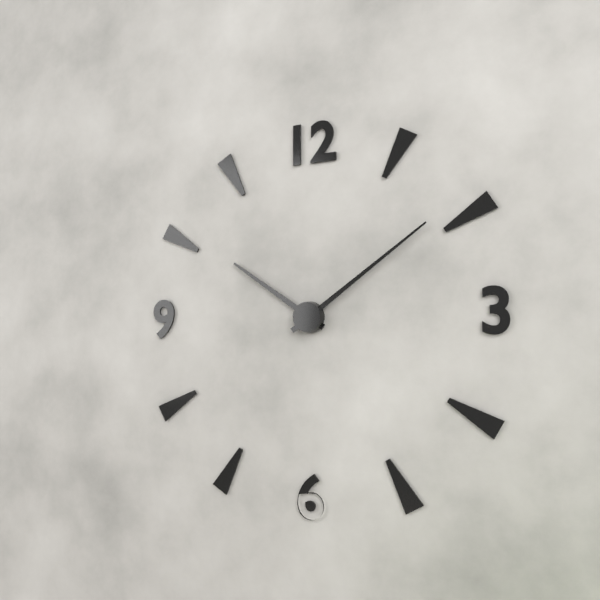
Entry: h=10 m=9
